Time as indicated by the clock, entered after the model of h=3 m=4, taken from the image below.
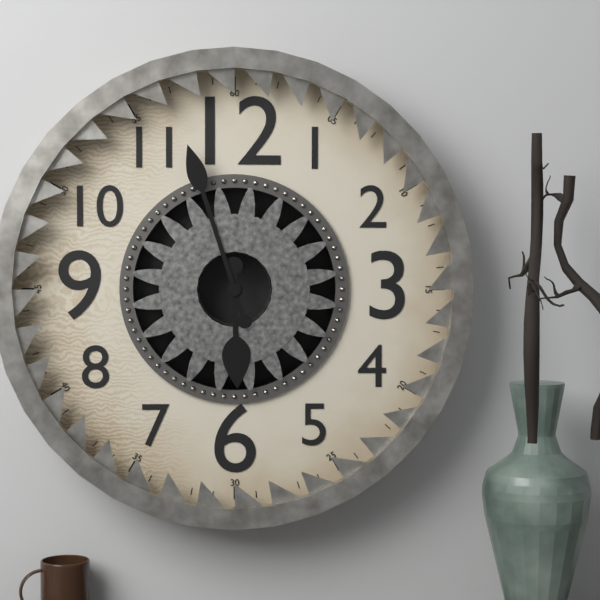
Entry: h=5 m=57
